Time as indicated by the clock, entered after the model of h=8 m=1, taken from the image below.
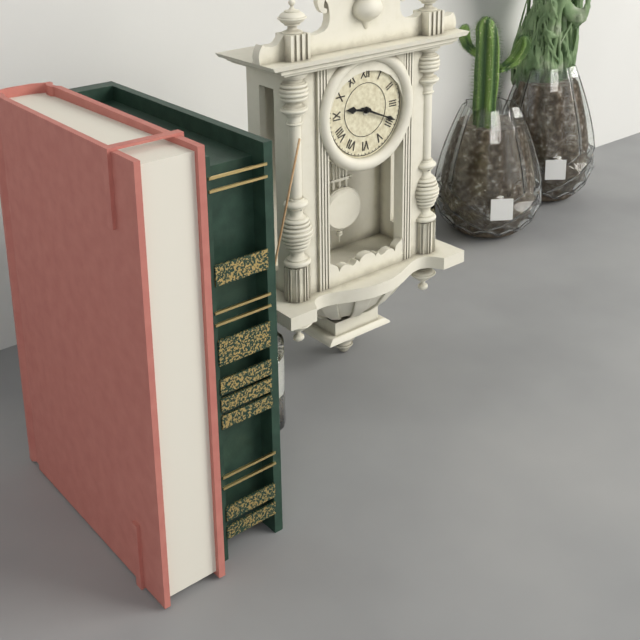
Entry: h=9 m=19
